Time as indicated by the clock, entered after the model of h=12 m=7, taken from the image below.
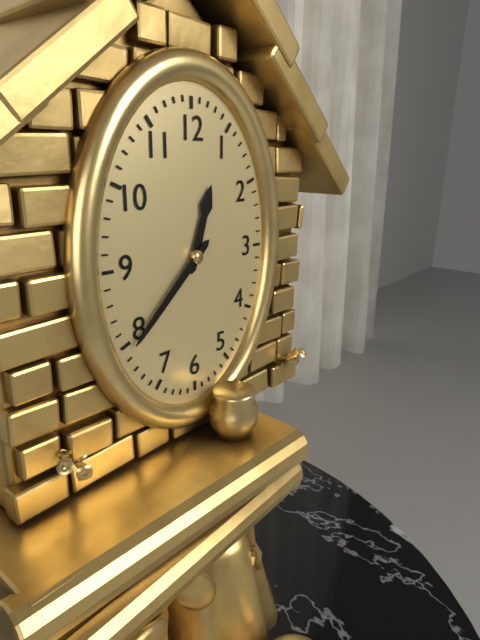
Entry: h=12 m=38
